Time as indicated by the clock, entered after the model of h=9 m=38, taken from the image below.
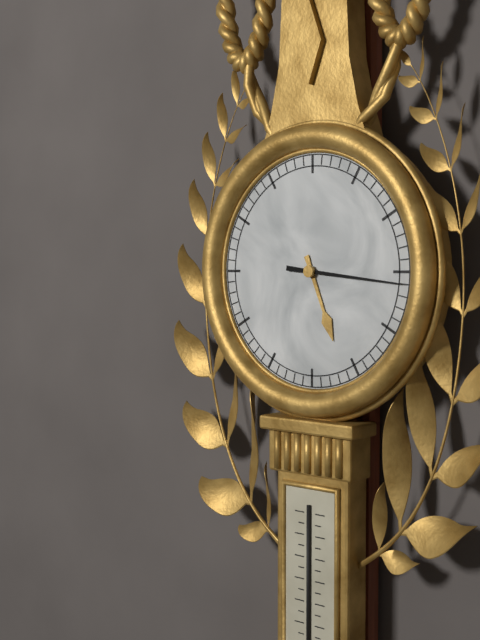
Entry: h=5 m=16
